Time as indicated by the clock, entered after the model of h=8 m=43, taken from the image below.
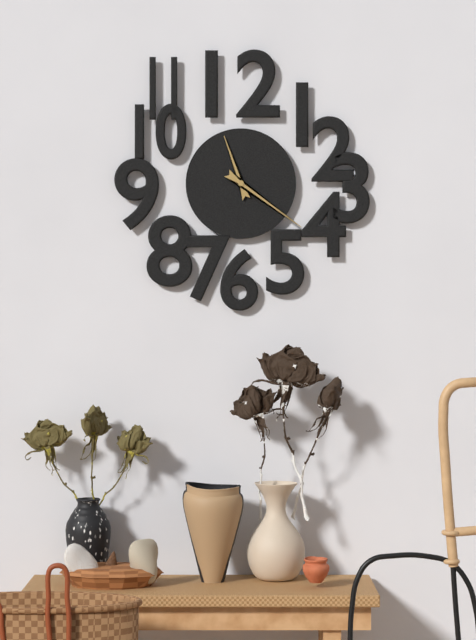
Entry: h=11 m=21
